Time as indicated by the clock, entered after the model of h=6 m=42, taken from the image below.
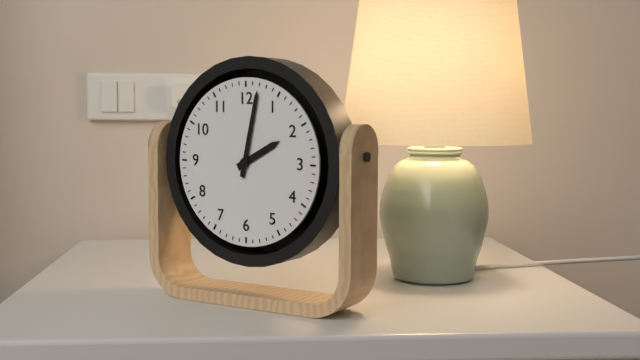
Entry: h=2 m=2
